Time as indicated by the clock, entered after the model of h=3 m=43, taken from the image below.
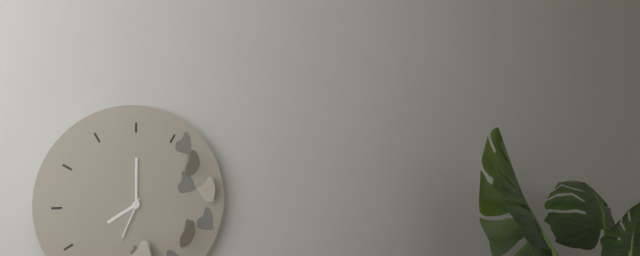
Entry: h=8 m=0
